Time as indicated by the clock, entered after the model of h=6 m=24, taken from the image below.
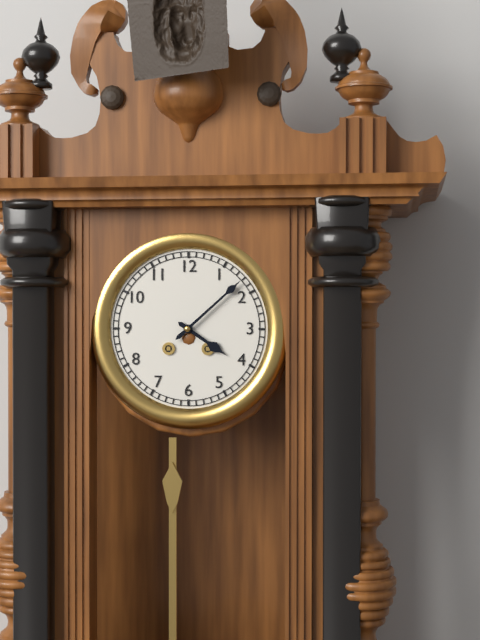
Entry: h=4 m=8
